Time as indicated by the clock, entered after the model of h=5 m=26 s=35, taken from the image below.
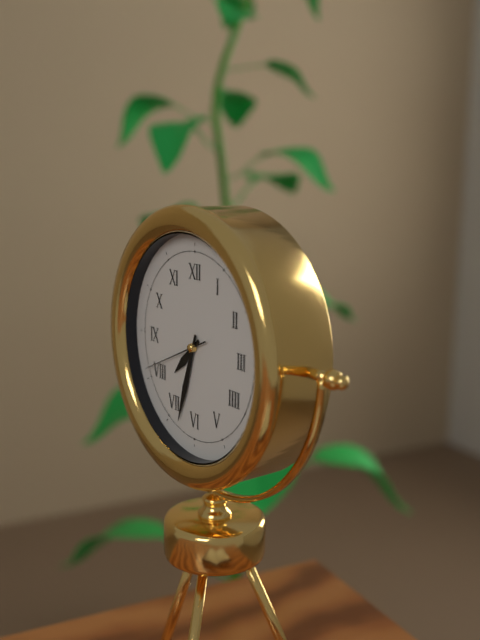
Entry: h=7 m=33 s=41
